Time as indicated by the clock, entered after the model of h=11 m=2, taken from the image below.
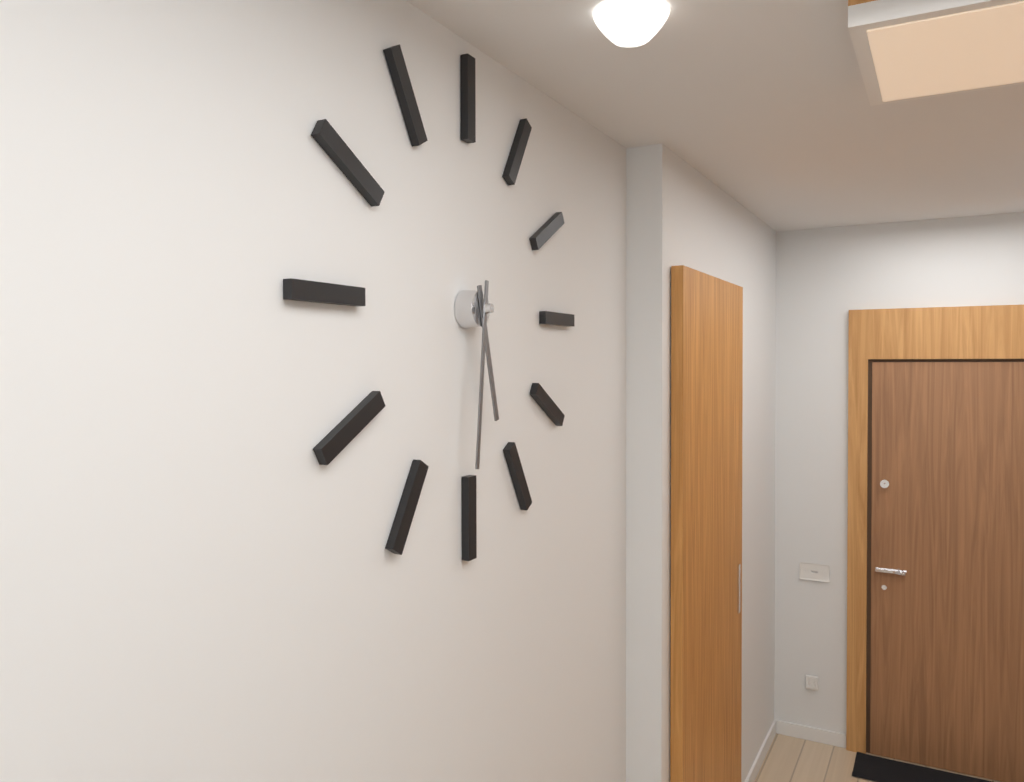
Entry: h=5 m=31
